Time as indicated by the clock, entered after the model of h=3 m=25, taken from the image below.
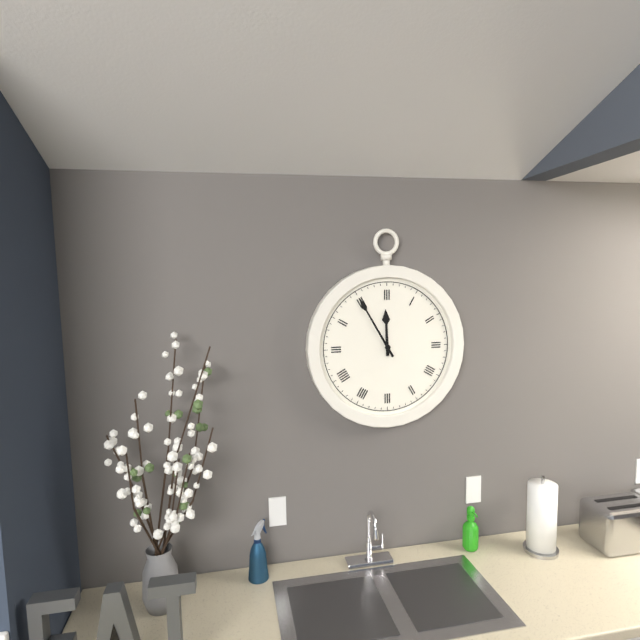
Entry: h=11 m=55
